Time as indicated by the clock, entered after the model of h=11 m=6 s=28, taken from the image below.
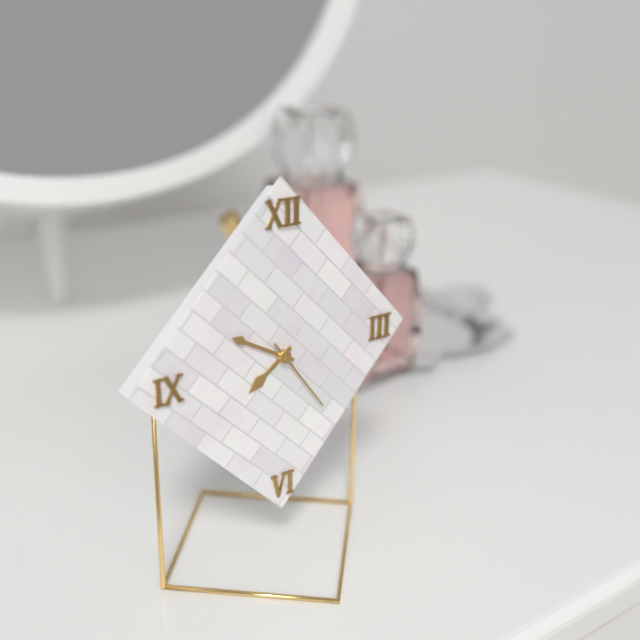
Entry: h=7 m=50 s=24
